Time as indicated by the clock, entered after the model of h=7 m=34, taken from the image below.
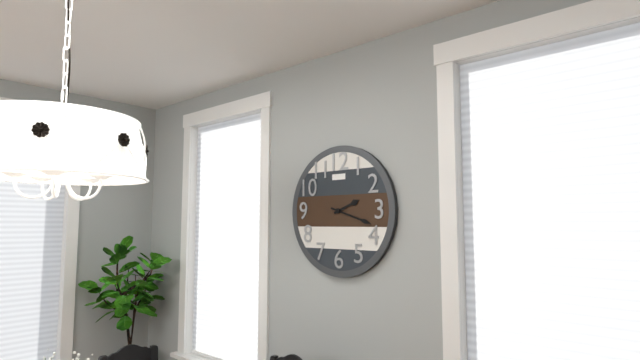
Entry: h=2 m=18
